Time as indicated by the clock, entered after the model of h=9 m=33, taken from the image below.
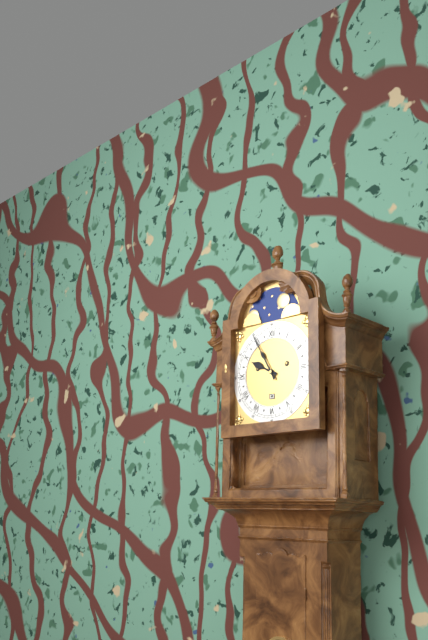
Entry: h=9 m=55
